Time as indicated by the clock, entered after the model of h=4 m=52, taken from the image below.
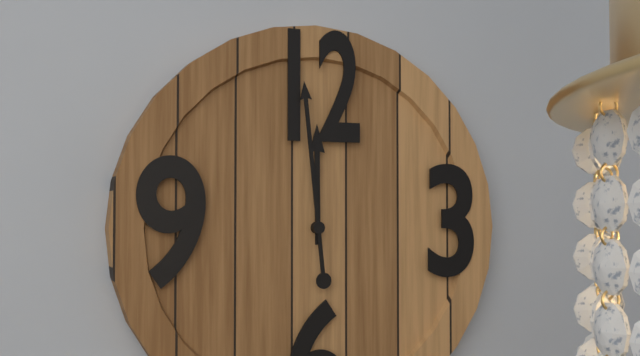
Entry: h=11 m=59
